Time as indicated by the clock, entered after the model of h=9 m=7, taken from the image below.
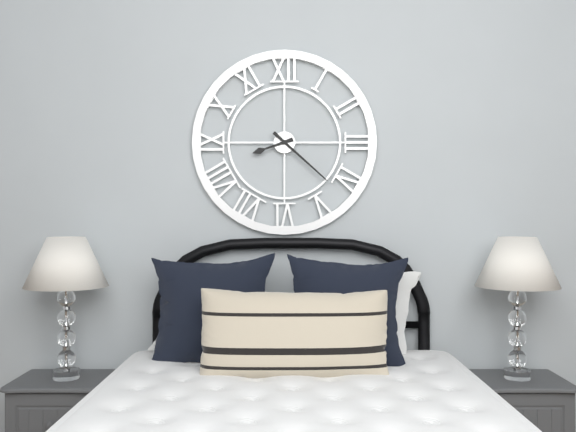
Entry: h=8 m=22
